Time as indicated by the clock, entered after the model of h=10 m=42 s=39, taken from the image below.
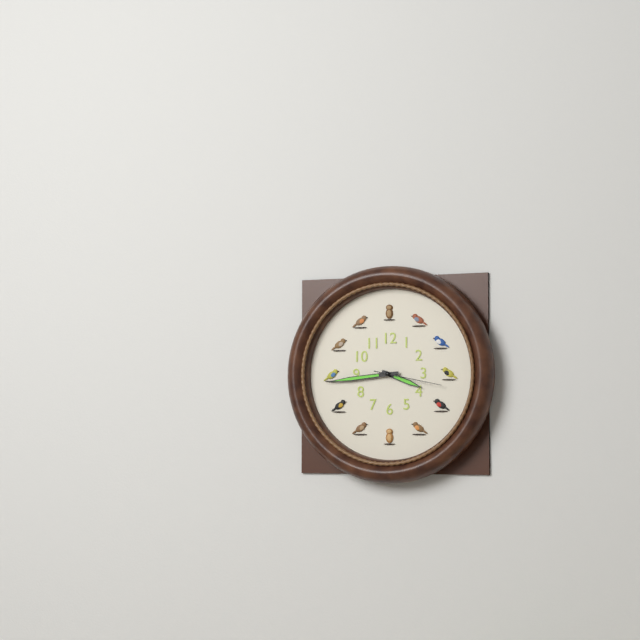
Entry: h=3 m=44 s=17
